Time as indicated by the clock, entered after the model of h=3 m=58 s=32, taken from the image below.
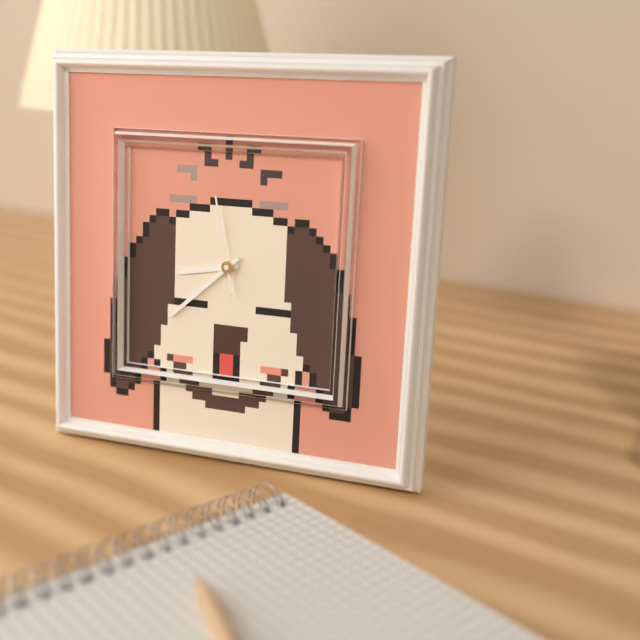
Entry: h=8 m=38 s=58
